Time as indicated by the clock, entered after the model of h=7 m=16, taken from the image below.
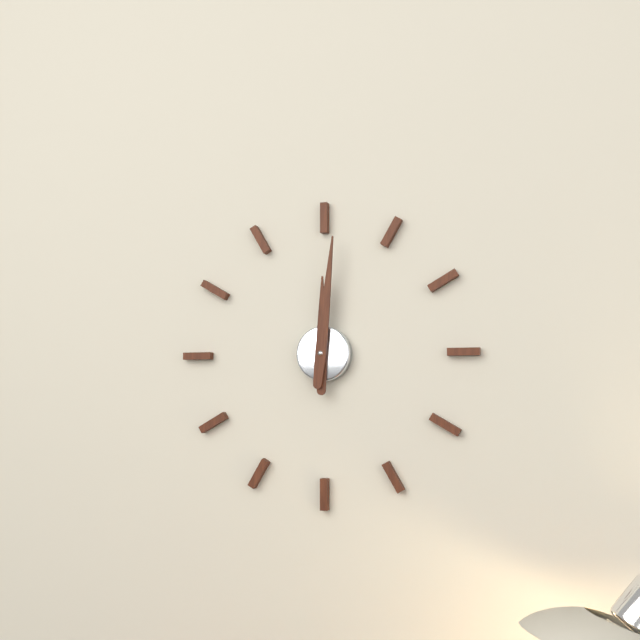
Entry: h=12 m=1
